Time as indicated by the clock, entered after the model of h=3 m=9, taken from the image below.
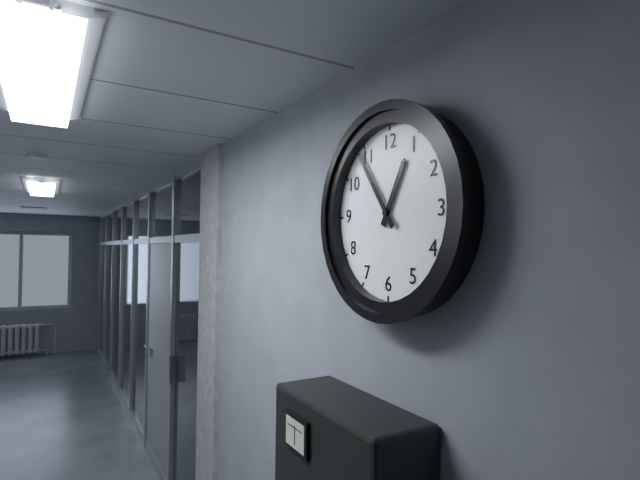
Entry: h=12 m=54
